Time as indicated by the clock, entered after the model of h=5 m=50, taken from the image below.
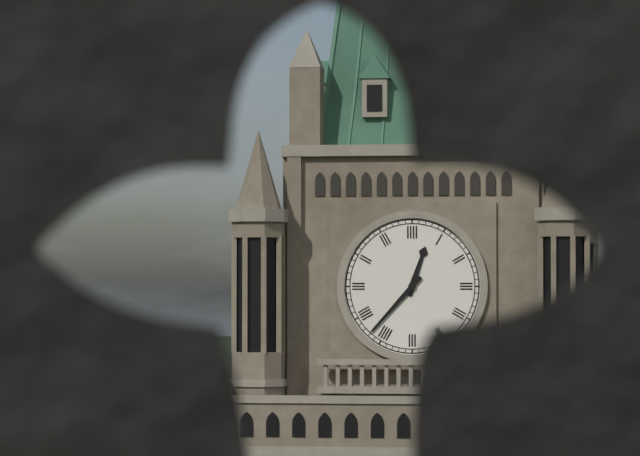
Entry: h=12 m=37
